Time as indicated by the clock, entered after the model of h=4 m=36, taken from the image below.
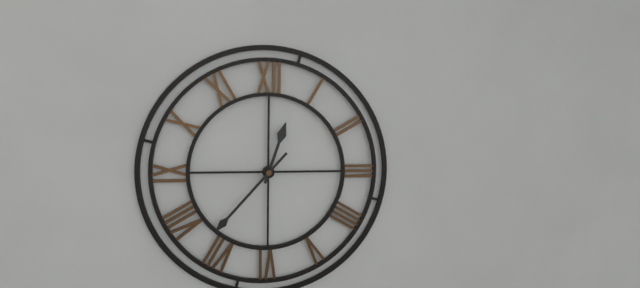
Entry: h=12 m=37
